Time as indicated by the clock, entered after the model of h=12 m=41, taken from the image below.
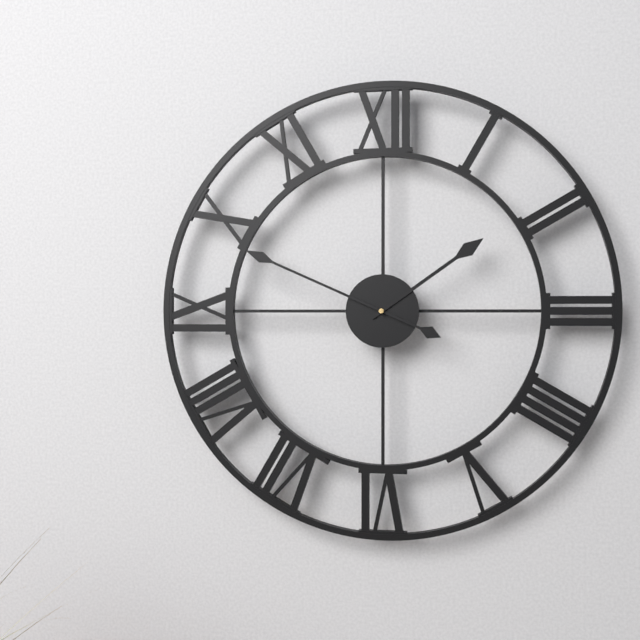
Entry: h=1 m=49
